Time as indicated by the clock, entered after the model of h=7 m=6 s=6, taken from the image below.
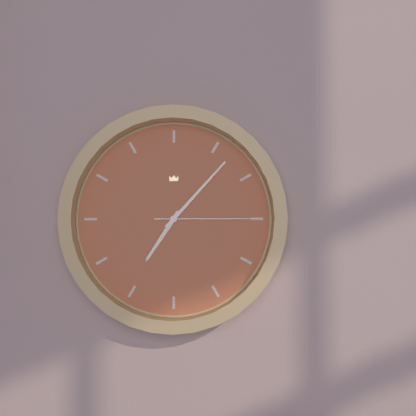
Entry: h=7 m=7 s=15
